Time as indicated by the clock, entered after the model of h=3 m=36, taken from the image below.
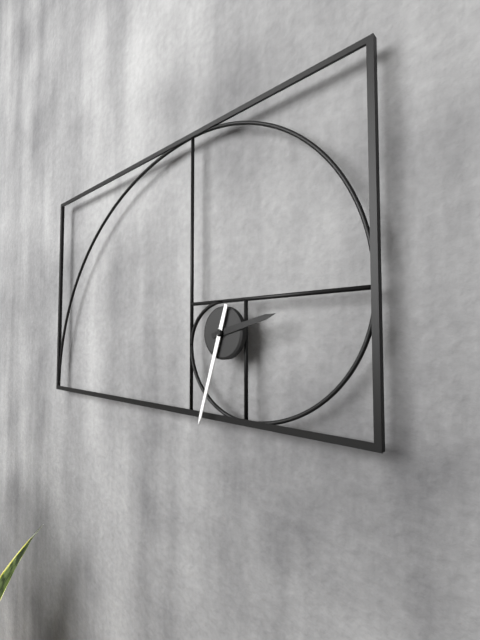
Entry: h=2 m=33
